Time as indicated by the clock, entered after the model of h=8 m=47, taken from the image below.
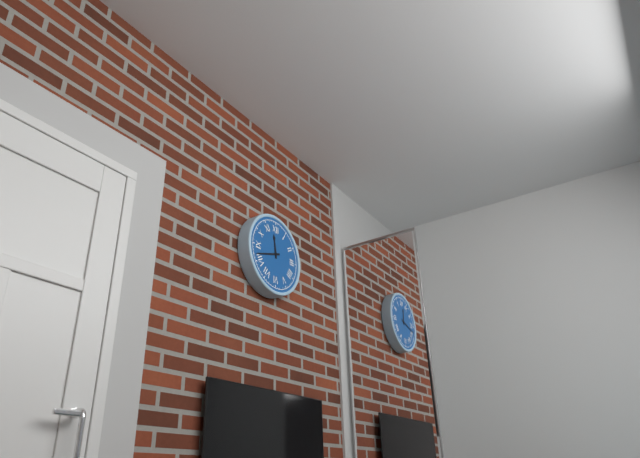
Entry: h=11 m=42
